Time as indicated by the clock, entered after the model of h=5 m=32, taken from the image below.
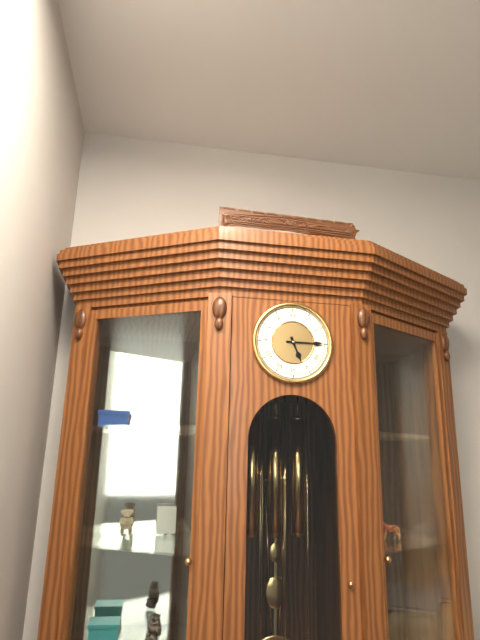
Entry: h=5 m=15
